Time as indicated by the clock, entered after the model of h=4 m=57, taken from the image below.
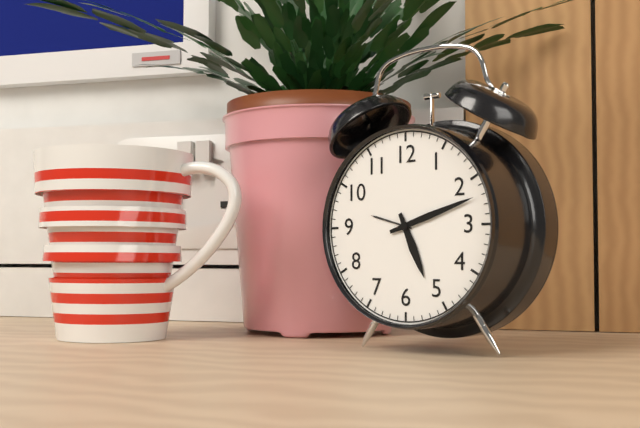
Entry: h=5 m=12
